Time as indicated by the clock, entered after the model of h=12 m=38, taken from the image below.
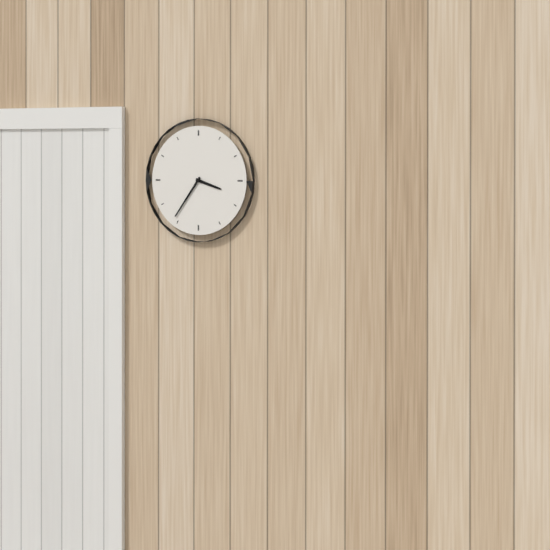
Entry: h=3 m=36
